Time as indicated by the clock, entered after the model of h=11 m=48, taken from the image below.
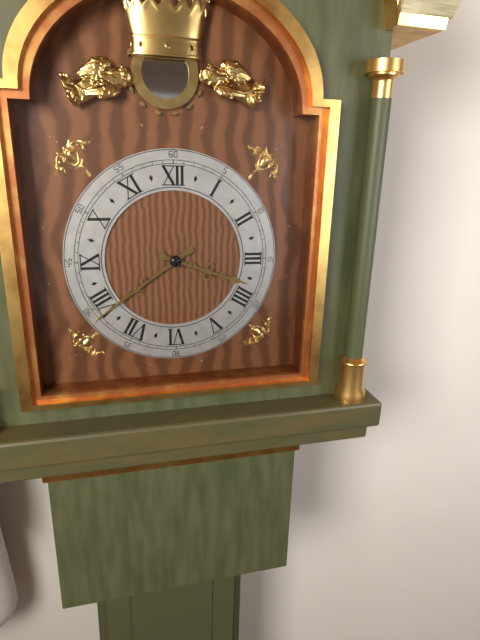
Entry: h=3 m=39
